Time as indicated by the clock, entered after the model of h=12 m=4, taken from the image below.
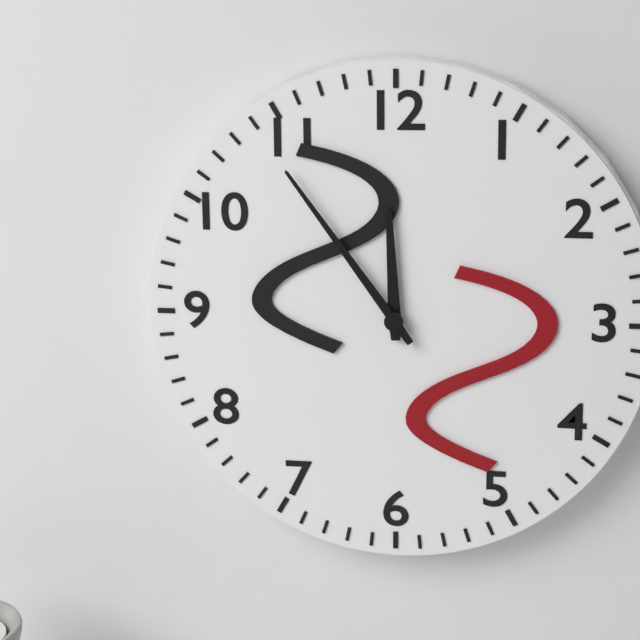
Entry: h=11 m=54
